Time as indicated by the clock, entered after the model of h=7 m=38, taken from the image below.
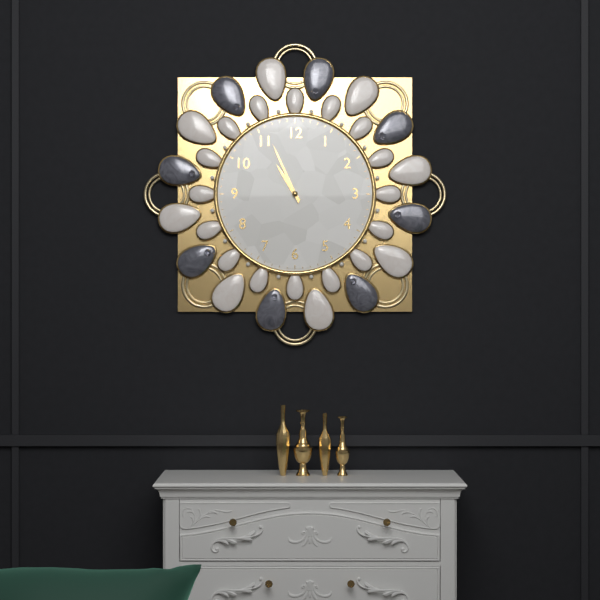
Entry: h=10 m=56
